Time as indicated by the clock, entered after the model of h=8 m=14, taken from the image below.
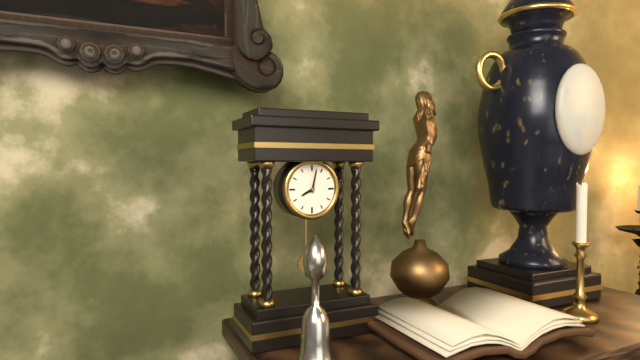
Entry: h=8 m=2
